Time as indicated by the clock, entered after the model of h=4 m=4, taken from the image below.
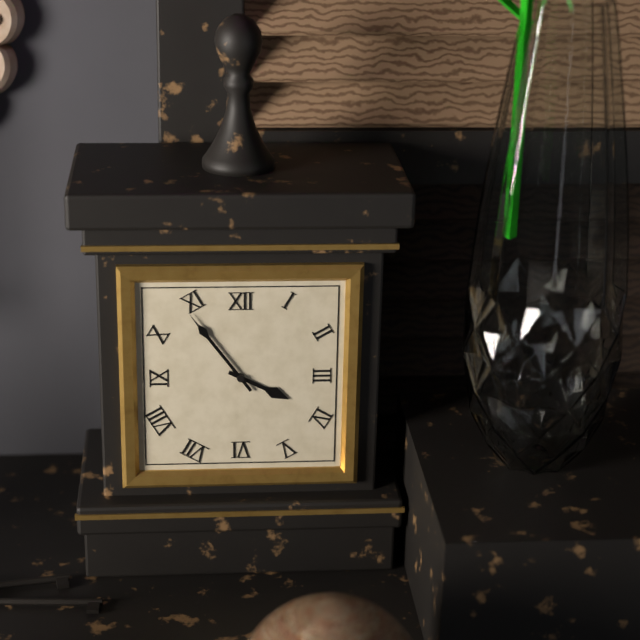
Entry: h=3 m=54
